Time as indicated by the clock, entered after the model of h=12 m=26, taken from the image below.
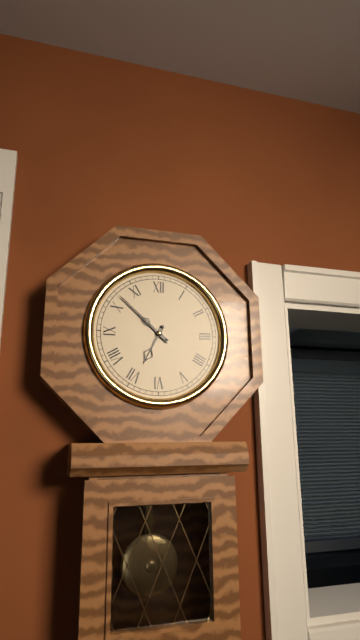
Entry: h=6 m=52
